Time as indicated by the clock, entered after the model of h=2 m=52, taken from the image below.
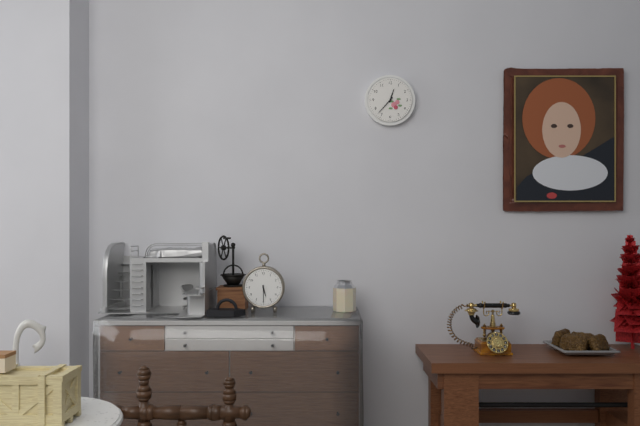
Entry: h=12 m=37
